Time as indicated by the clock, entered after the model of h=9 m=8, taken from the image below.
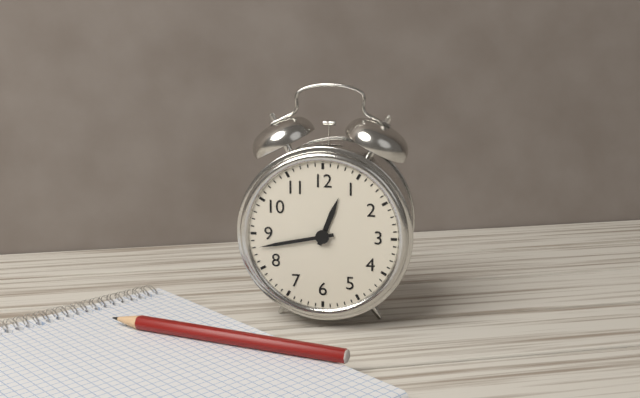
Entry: h=12 m=43
